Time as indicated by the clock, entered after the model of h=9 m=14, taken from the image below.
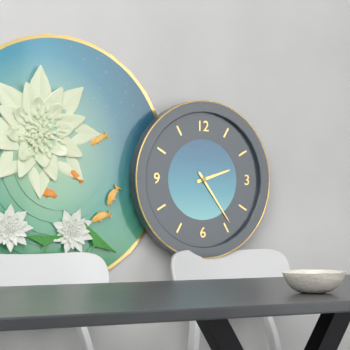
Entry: h=2 m=24
